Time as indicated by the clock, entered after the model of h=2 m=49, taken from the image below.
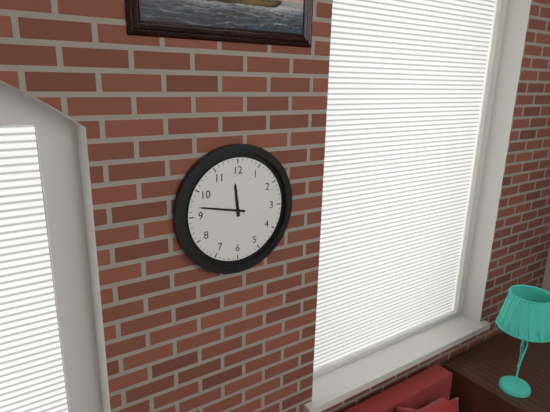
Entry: h=11 m=47
